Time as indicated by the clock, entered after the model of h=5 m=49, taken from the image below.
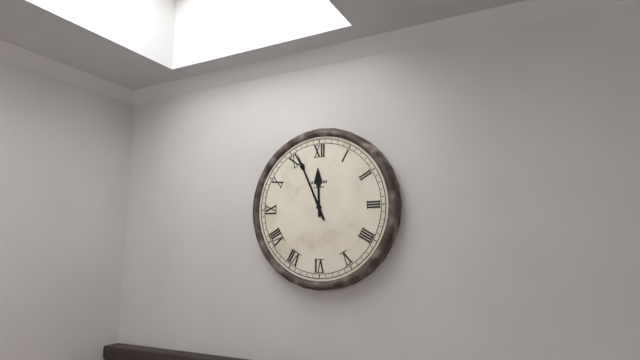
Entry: h=11 m=56
